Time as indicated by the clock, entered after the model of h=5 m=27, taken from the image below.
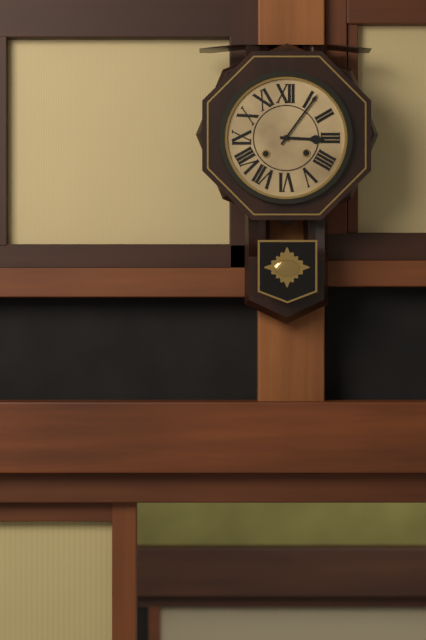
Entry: h=3 m=6
